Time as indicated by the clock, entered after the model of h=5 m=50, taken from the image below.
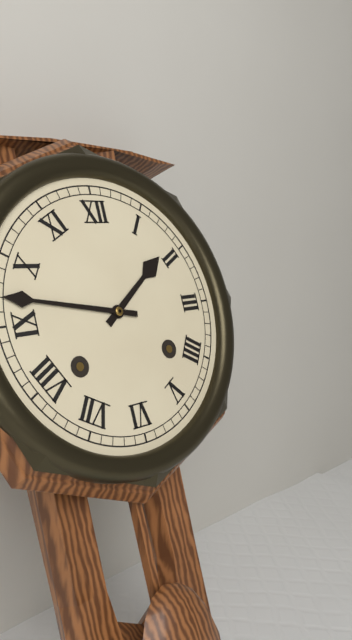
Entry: h=1 m=47
